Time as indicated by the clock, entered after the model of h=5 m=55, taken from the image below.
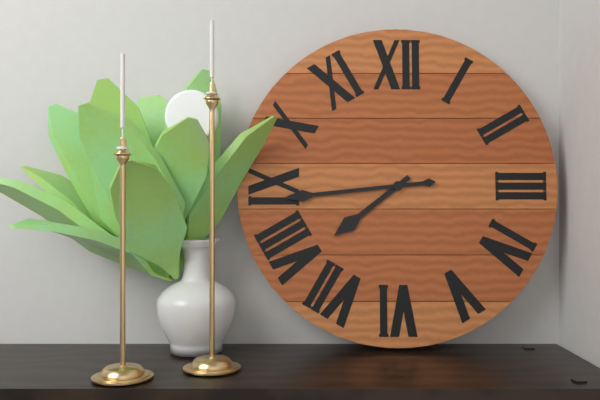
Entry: h=7 m=44
